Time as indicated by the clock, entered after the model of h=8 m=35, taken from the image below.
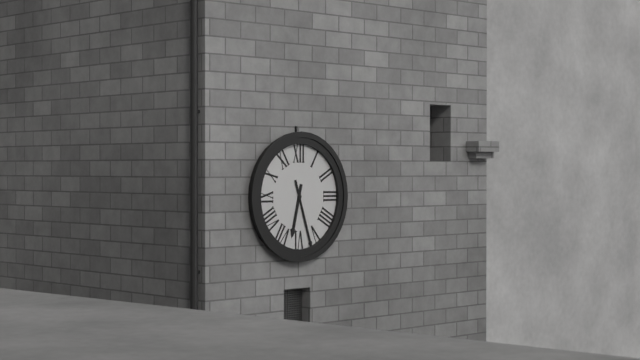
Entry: h=6 m=27
